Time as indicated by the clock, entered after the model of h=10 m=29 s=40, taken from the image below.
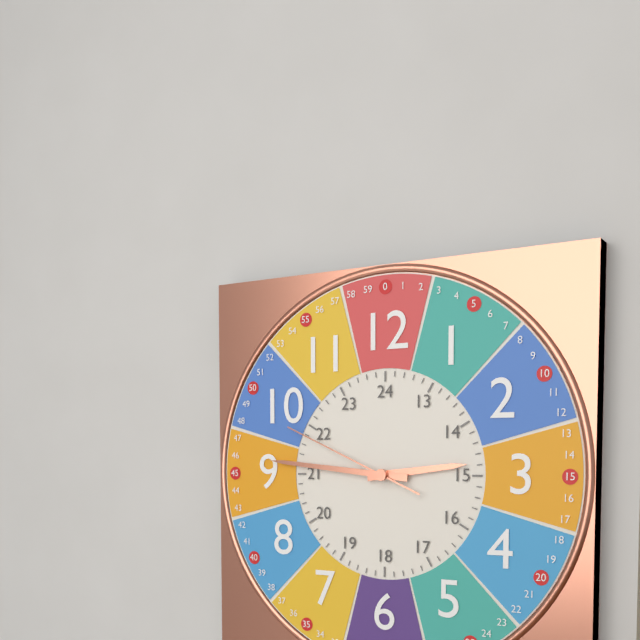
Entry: h=2 m=46 s=49
